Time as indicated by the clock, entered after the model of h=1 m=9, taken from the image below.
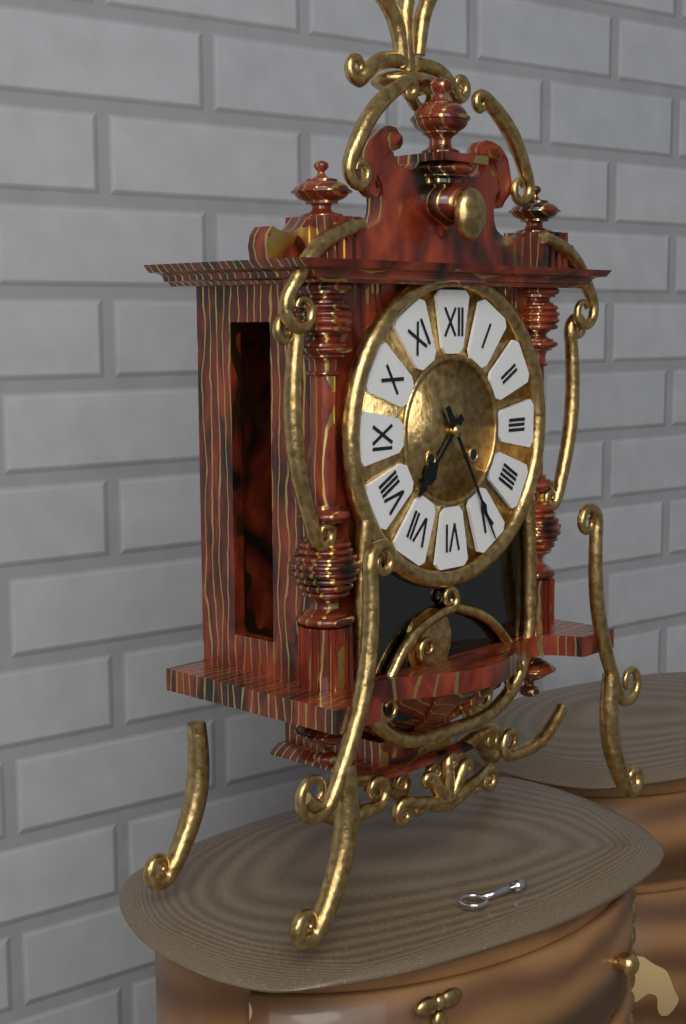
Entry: h=7 m=25
